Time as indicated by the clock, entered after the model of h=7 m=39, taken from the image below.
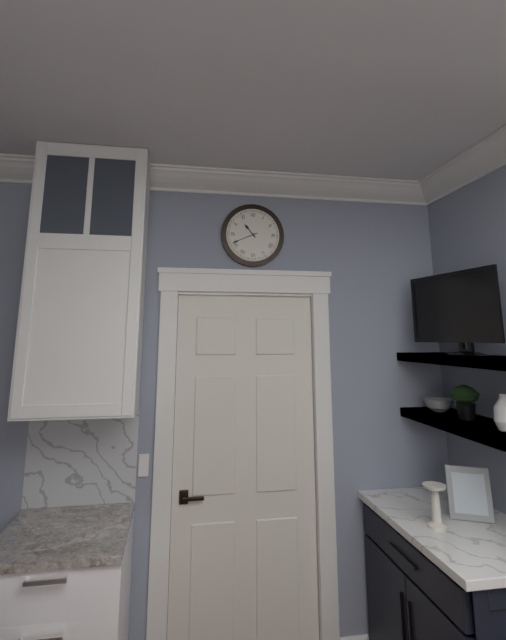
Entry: h=10 m=41
